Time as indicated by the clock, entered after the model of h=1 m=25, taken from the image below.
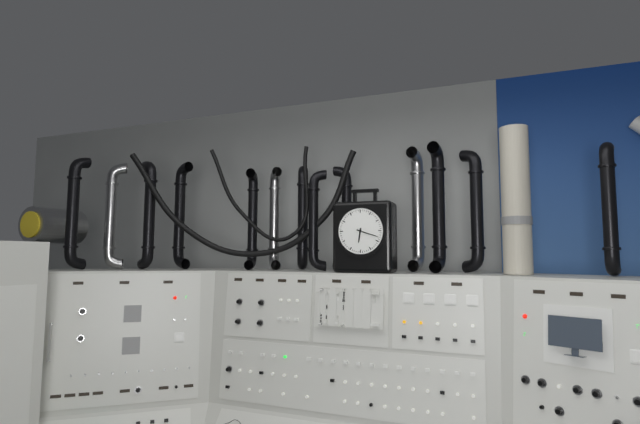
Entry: h=6 m=18
